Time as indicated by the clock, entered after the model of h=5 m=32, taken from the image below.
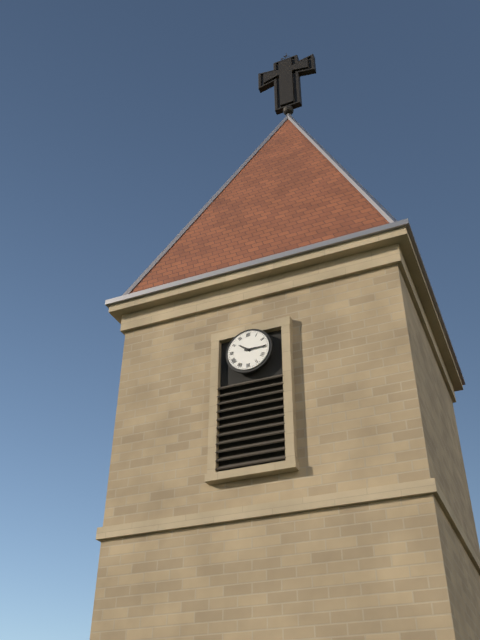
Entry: h=10 m=15
